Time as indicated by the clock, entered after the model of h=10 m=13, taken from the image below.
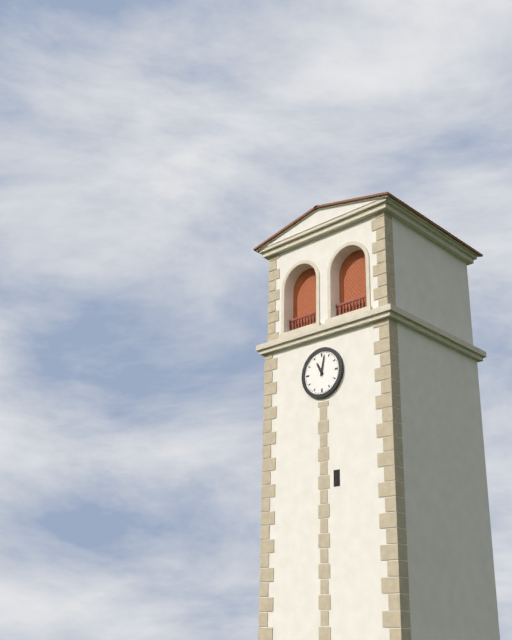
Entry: h=11 m=2
